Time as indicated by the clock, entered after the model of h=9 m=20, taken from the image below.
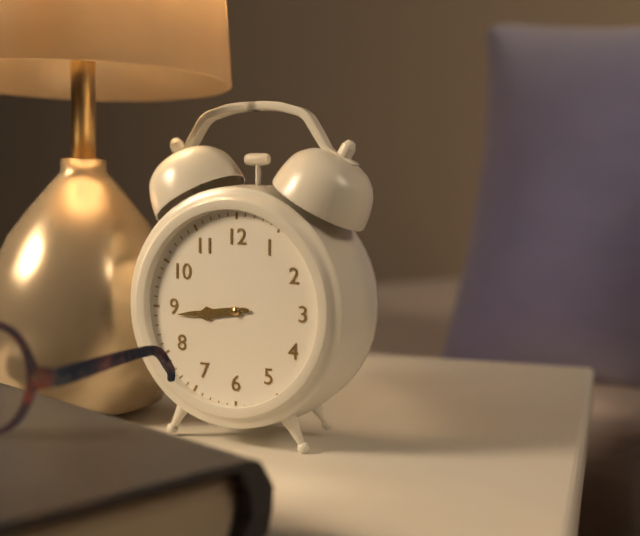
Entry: h=8 m=44
